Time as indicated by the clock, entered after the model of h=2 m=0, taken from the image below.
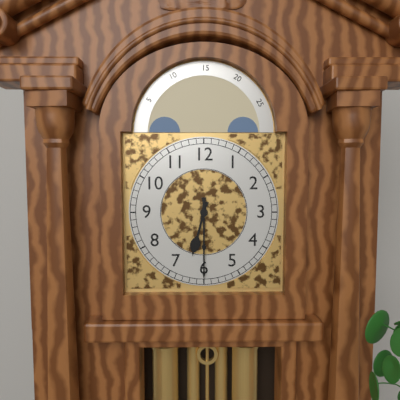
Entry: h=6 m=30
